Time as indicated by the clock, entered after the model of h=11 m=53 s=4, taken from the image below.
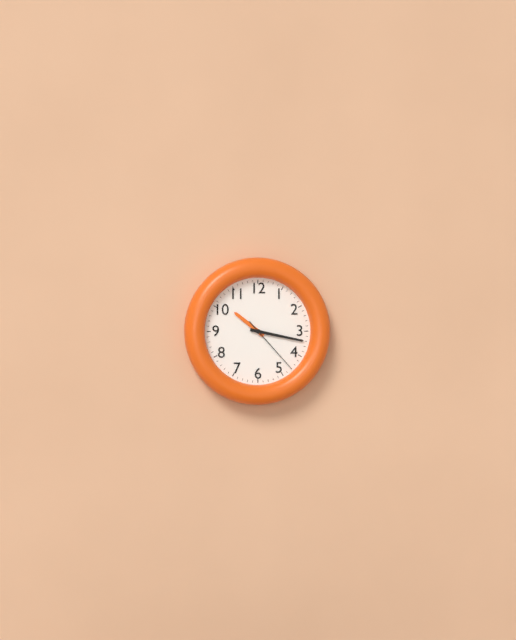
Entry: h=10 m=17 s=23
